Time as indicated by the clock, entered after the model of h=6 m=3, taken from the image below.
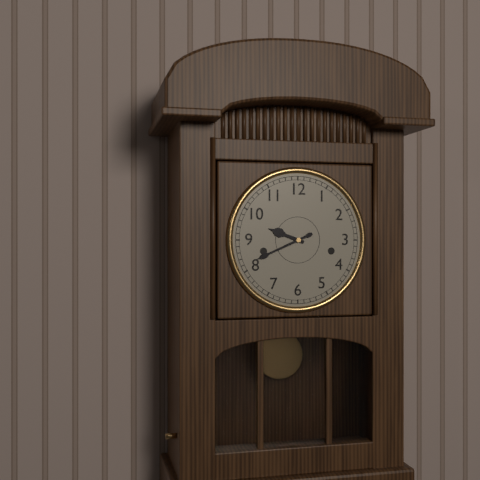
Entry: h=9 m=41
